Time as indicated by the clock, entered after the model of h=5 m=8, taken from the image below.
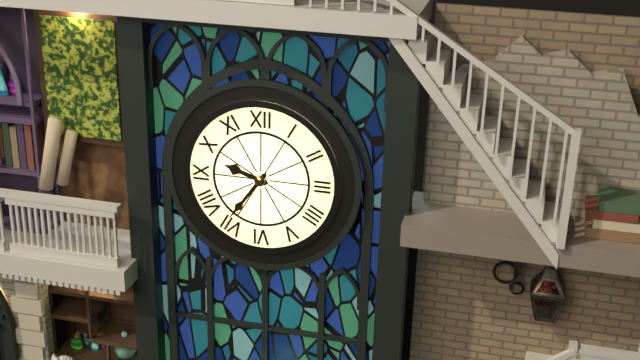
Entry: h=9 m=36
